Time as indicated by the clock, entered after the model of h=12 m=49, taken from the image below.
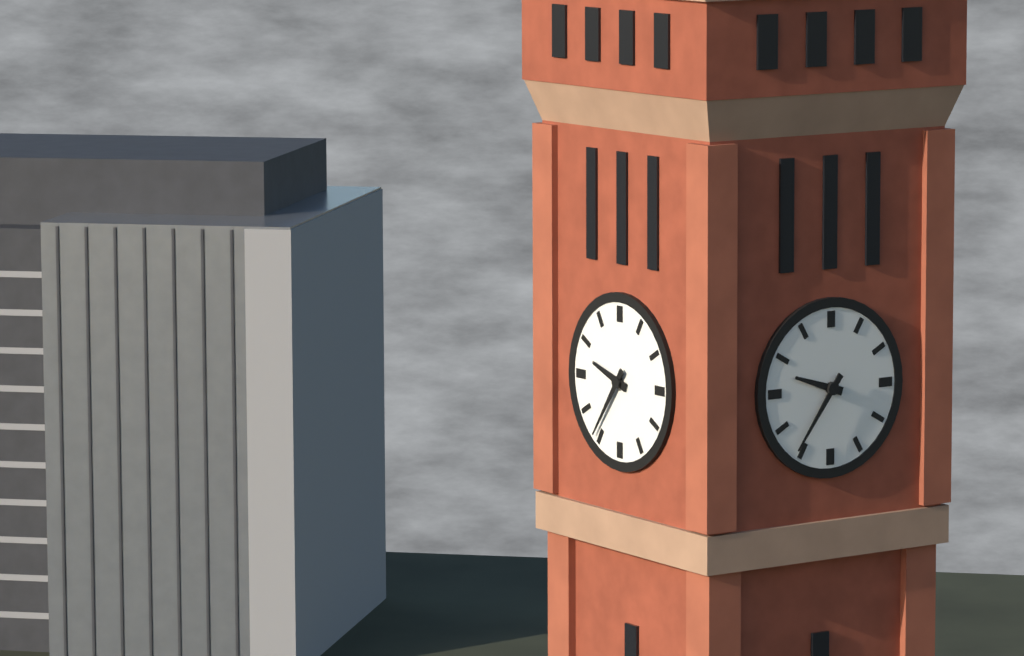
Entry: h=9 m=36
